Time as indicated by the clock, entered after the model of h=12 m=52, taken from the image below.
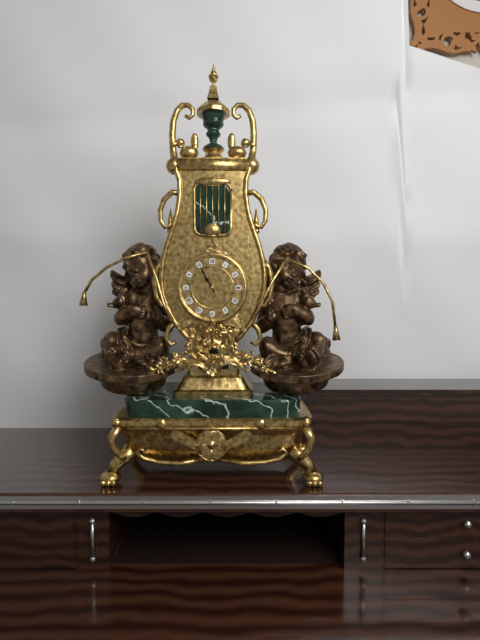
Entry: h=10 m=55
